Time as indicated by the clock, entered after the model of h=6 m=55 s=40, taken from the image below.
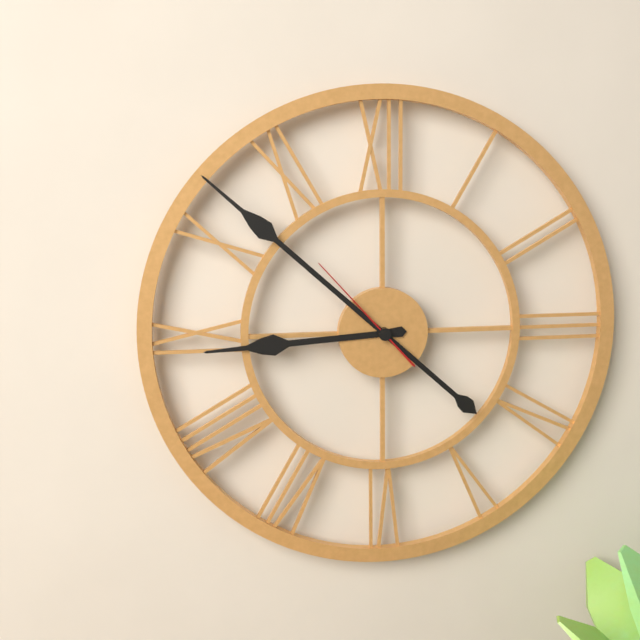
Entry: h=8 m=52 s=53
